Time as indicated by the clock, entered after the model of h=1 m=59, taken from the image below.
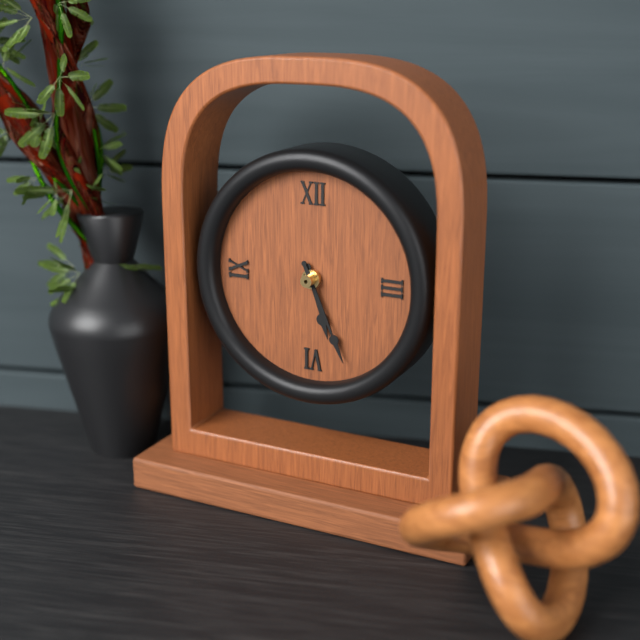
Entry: h=5 m=26
